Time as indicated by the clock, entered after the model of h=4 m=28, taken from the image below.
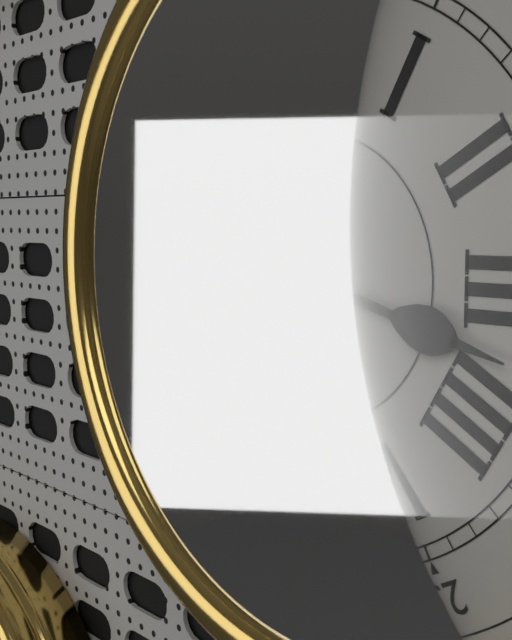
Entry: h=3 m=30
